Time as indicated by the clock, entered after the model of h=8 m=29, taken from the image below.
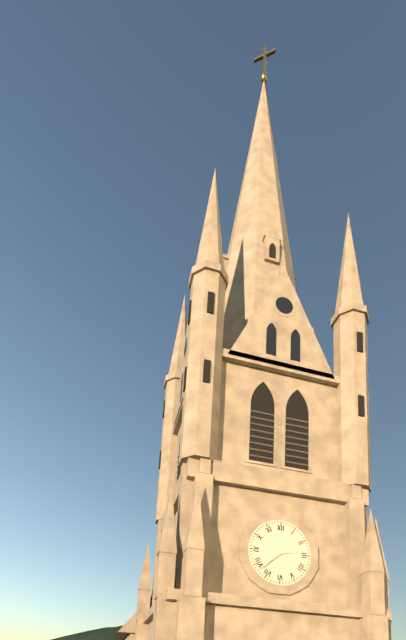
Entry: h=2 m=38
